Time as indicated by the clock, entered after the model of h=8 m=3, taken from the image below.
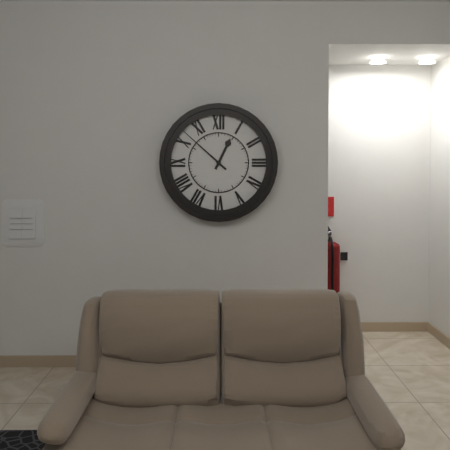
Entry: h=12 m=52
